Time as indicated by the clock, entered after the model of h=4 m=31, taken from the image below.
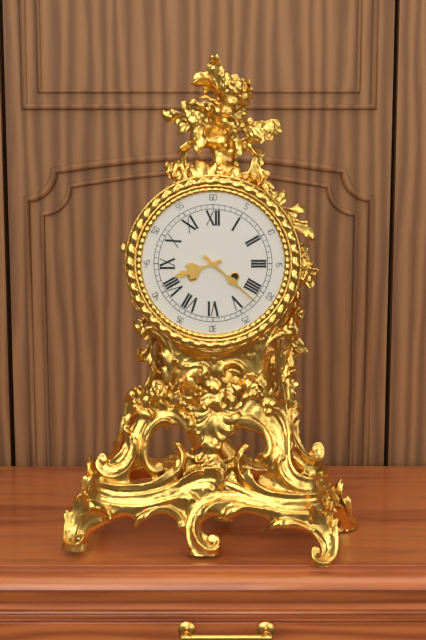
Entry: h=8 m=22
